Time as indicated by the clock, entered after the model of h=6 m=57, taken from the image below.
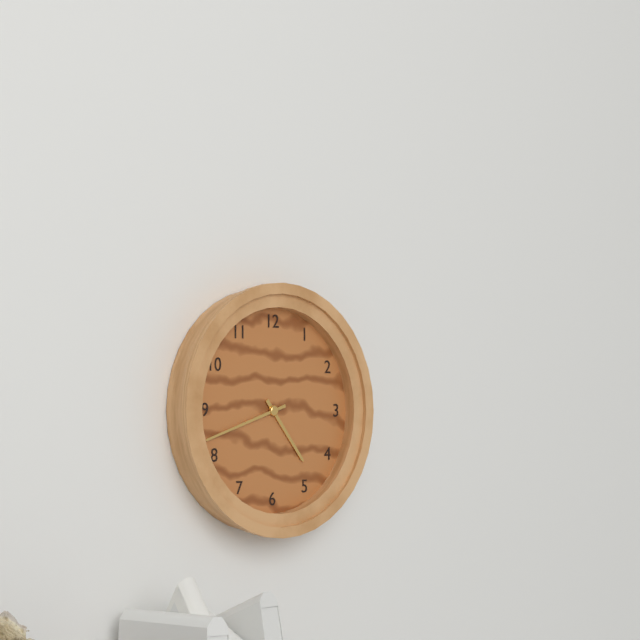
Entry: h=4 m=42
